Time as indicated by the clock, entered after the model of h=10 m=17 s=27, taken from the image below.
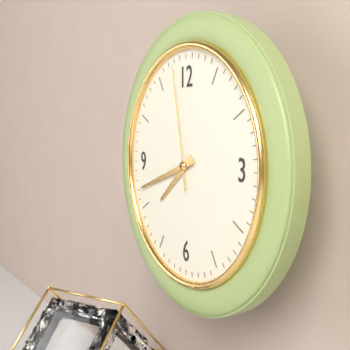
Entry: h=7 m=42 s=58
